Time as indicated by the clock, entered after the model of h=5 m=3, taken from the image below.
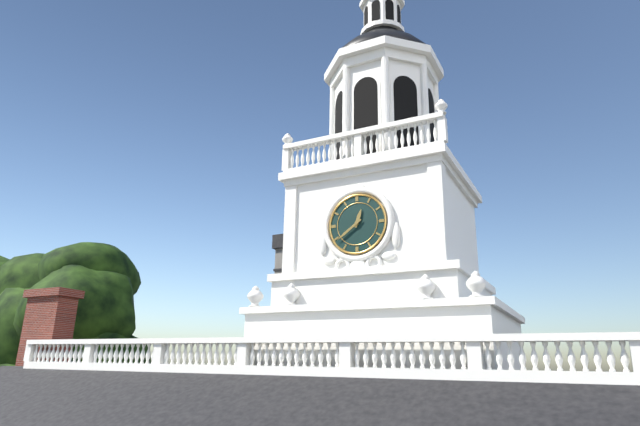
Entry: h=12 m=39
